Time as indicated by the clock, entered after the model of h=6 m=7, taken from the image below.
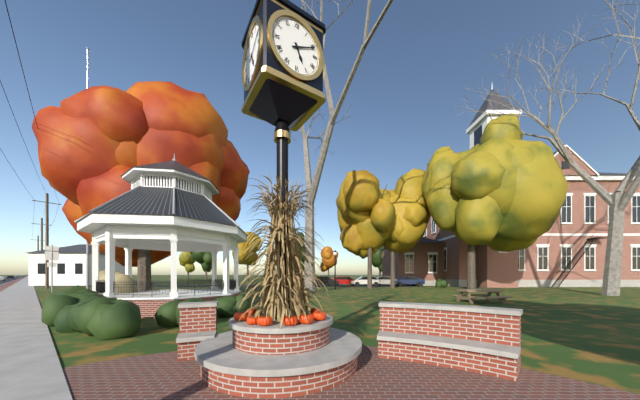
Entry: h=5 m=11
